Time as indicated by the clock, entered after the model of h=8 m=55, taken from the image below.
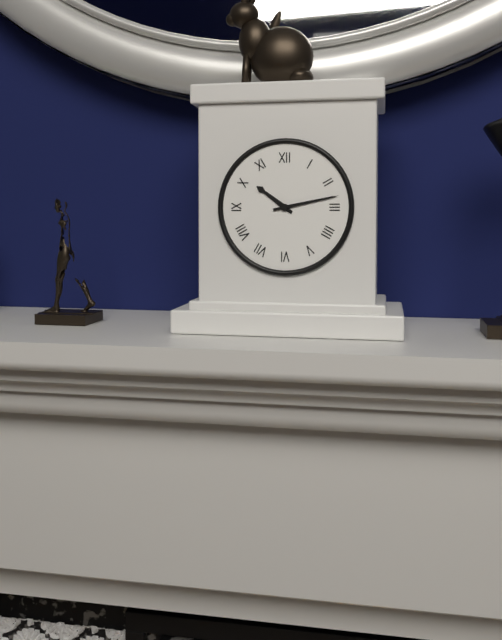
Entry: h=10 m=13
